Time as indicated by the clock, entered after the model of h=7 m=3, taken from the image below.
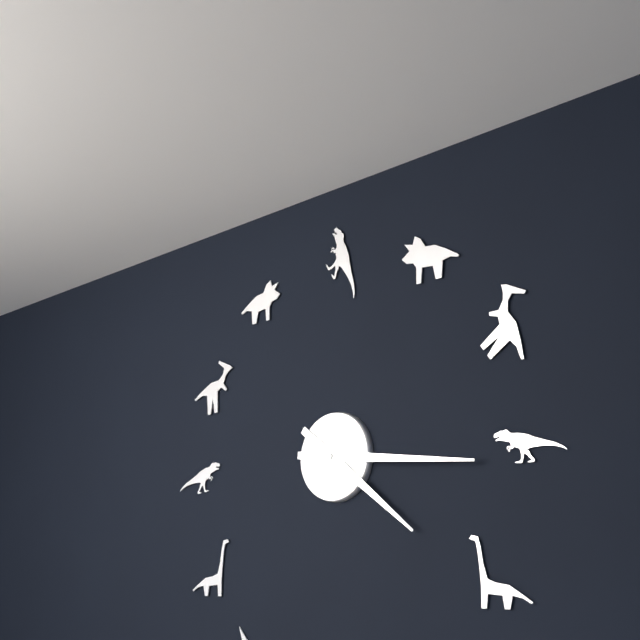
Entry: h=4 m=16
